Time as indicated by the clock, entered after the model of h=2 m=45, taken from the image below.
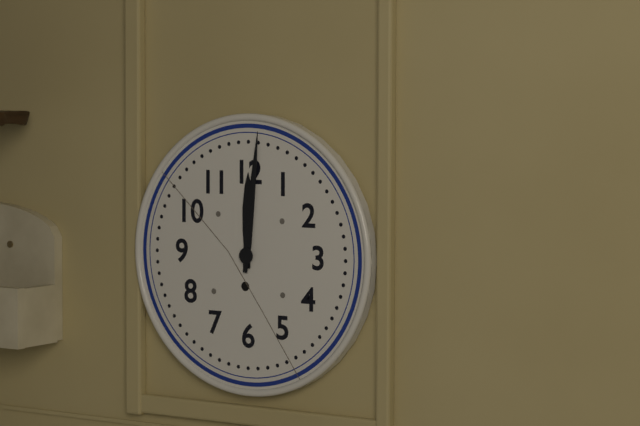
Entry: h=12 m=1
